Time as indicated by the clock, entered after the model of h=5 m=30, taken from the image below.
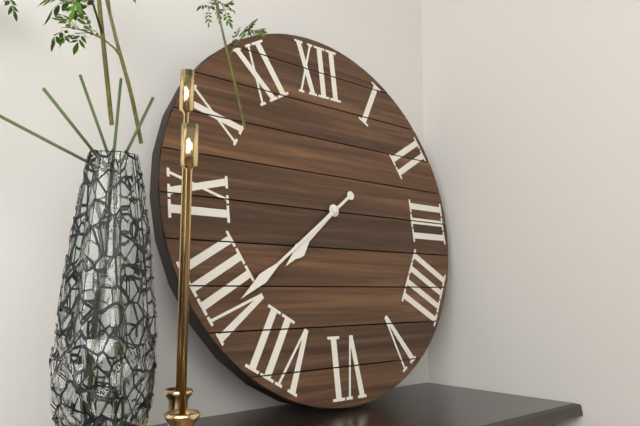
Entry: h=7 m=39
